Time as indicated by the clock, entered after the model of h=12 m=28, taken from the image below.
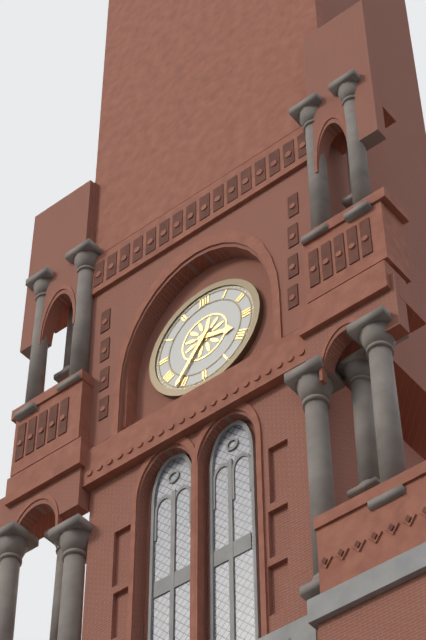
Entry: h=3 m=36
